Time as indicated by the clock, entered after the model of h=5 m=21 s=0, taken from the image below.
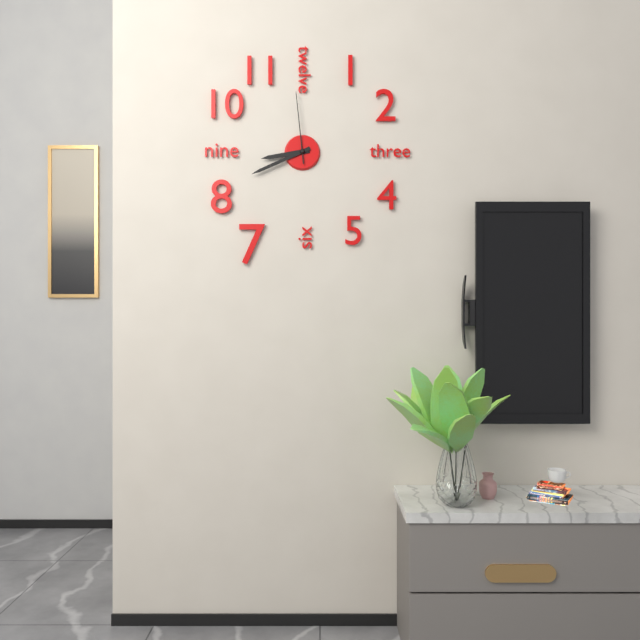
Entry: h=8 m=41 s=59
